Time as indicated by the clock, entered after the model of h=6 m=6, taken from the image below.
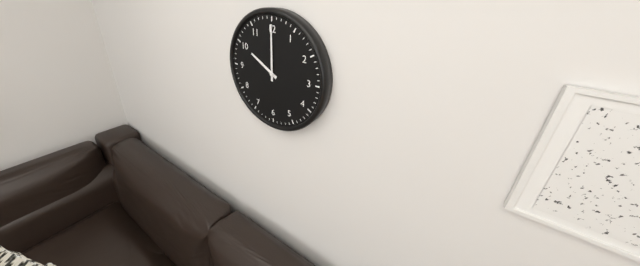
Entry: h=10 m=0
